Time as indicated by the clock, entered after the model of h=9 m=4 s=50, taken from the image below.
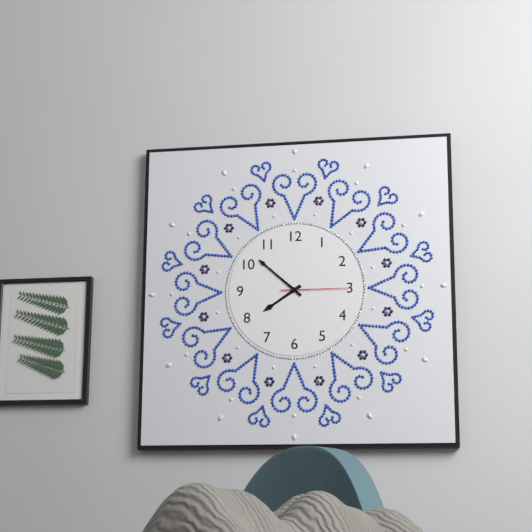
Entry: h=7 m=52 s=15
